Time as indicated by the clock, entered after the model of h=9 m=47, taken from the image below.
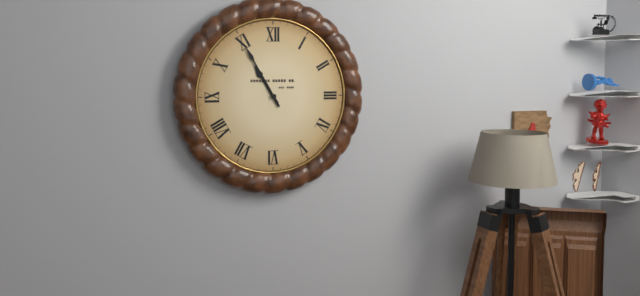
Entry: h=10 m=55
